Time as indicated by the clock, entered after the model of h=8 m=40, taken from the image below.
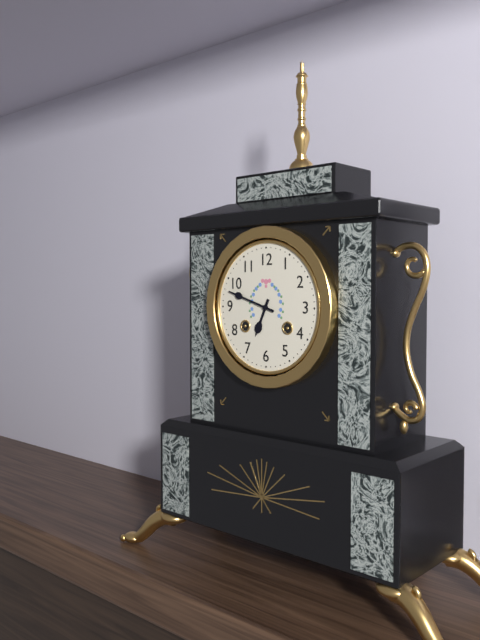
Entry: h=6 m=48
